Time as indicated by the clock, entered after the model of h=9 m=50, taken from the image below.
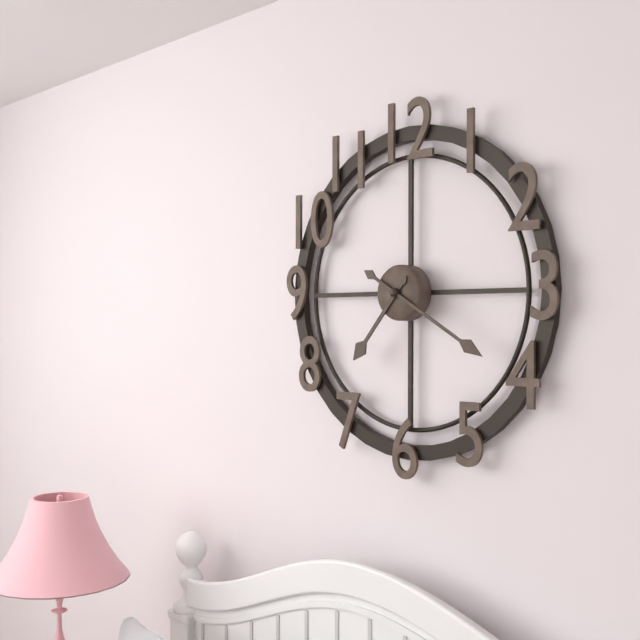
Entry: h=7 m=20
